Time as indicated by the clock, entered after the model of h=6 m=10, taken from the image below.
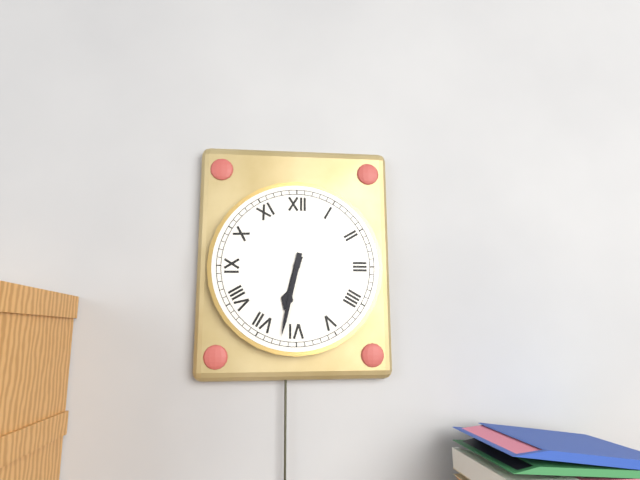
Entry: h=6 m=32
